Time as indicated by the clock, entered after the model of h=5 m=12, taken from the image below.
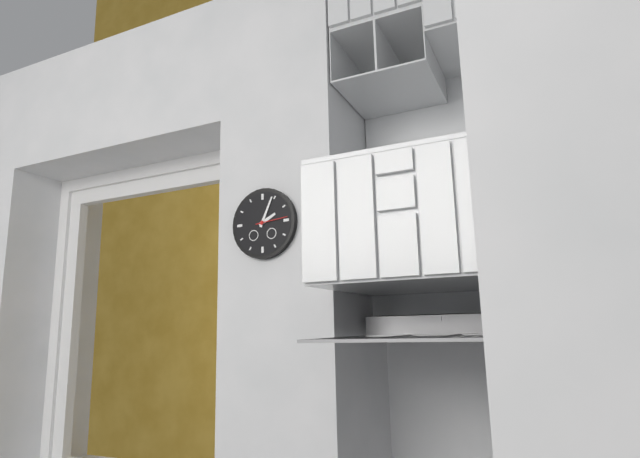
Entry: h=2 m=4
